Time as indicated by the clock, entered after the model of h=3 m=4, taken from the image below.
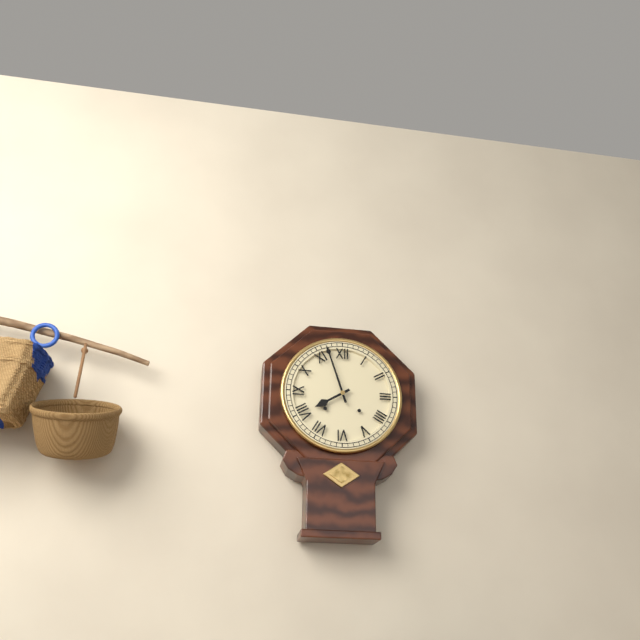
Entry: h=7 m=57
